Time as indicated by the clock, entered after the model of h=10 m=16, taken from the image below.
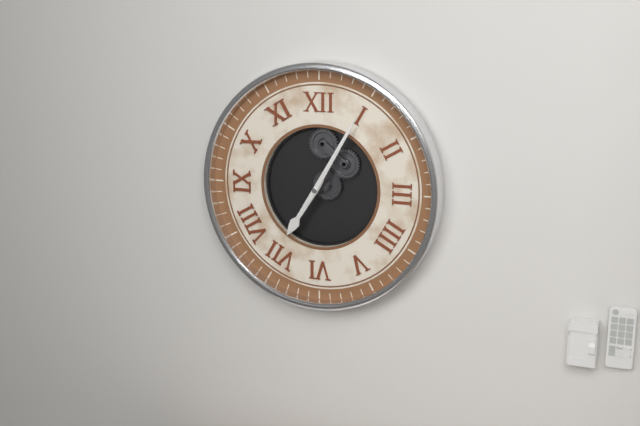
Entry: h=7 m=5
